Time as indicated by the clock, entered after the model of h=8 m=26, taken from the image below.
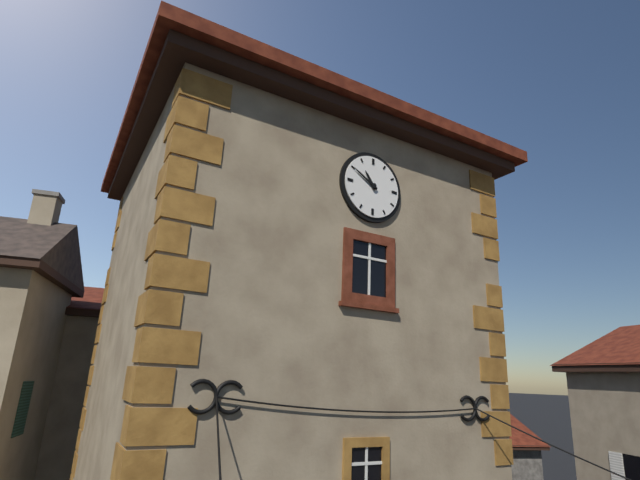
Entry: h=10 m=50
